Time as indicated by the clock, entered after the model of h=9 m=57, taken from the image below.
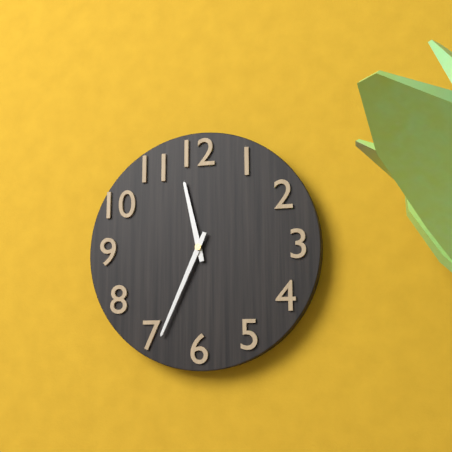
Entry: h=11 m=34
